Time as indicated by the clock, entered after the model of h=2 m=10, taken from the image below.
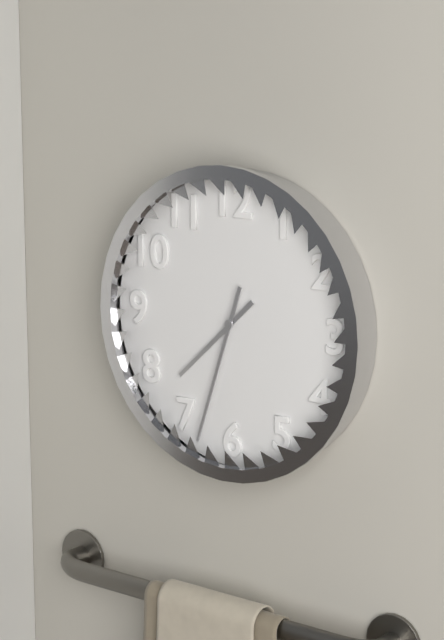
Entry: h=7 m=33
